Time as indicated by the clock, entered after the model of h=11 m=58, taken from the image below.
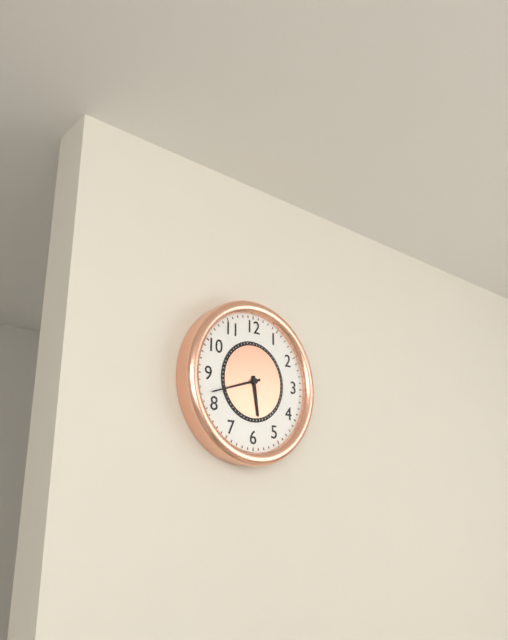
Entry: h=5 m=42
